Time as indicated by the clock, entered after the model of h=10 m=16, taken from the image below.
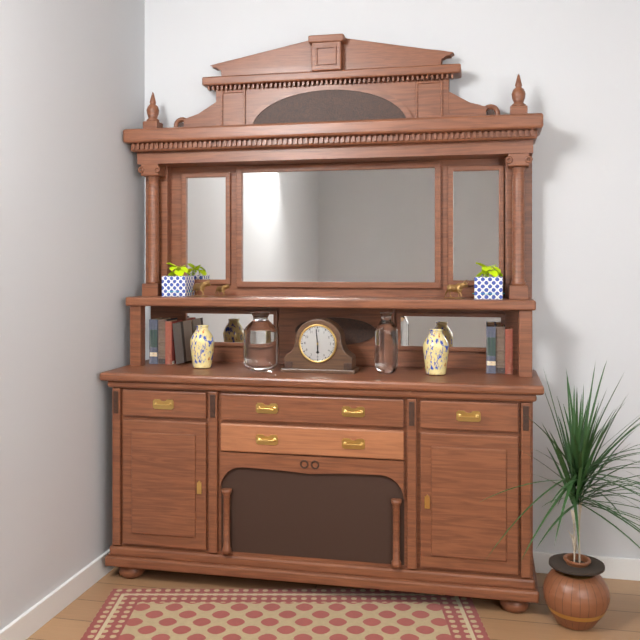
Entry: h=5 m=59
